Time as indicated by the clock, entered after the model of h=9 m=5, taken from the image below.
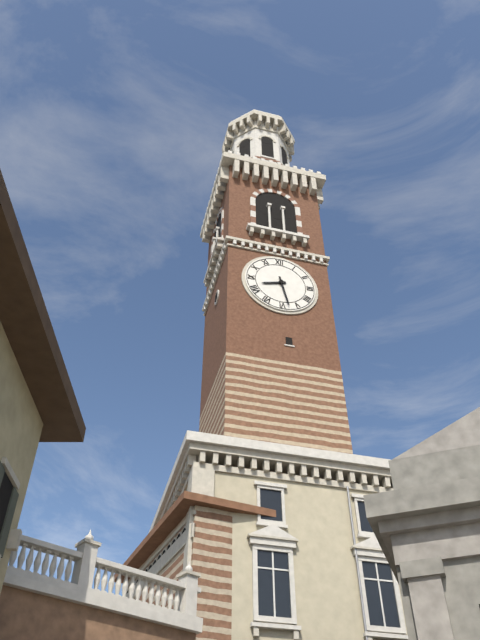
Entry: h=8 m=28
